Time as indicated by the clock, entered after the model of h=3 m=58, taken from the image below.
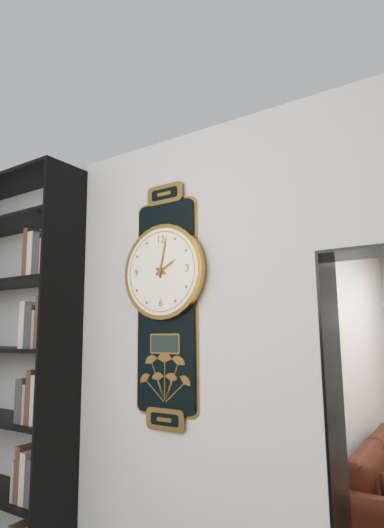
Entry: h=2 m=2
